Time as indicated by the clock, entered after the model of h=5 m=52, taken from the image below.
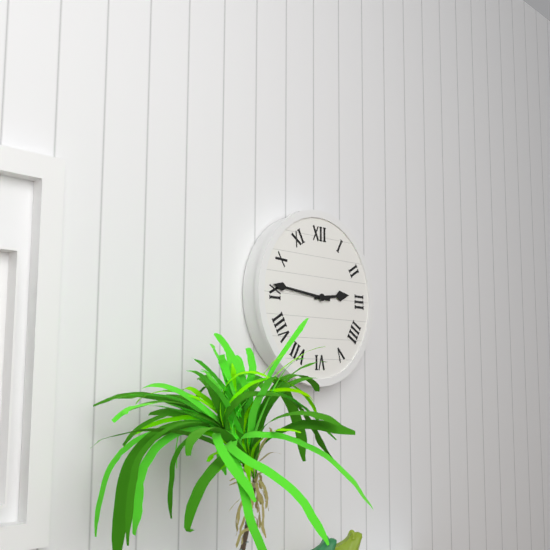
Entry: h=2 m=46
